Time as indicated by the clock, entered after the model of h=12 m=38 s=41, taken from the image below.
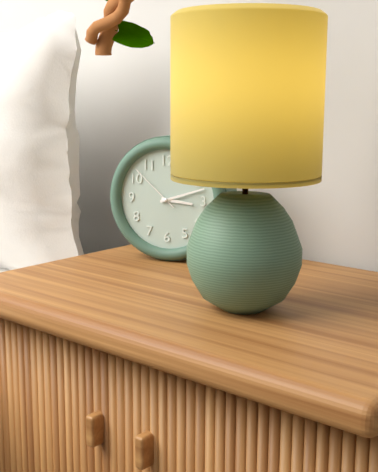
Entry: h=3 m=12 s=52
